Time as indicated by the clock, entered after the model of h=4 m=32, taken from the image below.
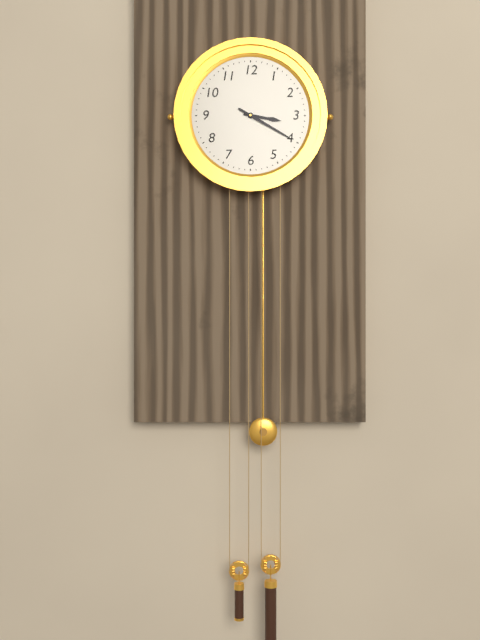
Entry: h=3 m=20
